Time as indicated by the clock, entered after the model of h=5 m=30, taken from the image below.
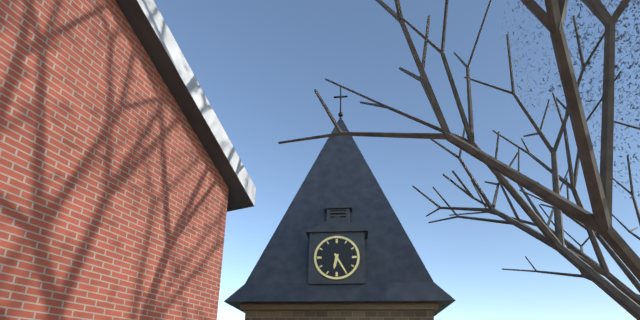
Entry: h=6 m=25
